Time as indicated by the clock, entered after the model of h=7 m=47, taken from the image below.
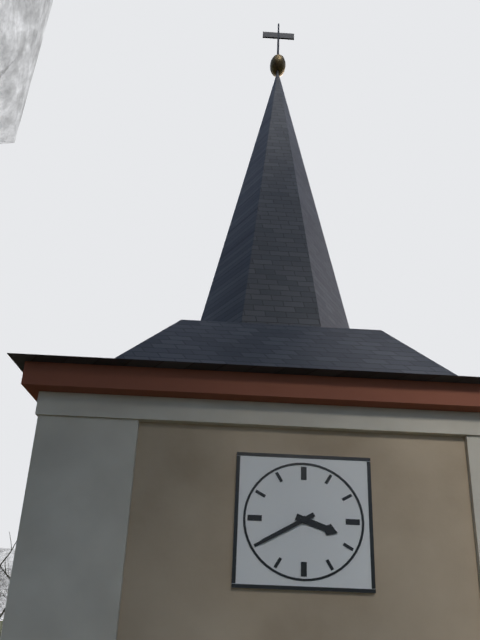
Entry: h=3 m=40
